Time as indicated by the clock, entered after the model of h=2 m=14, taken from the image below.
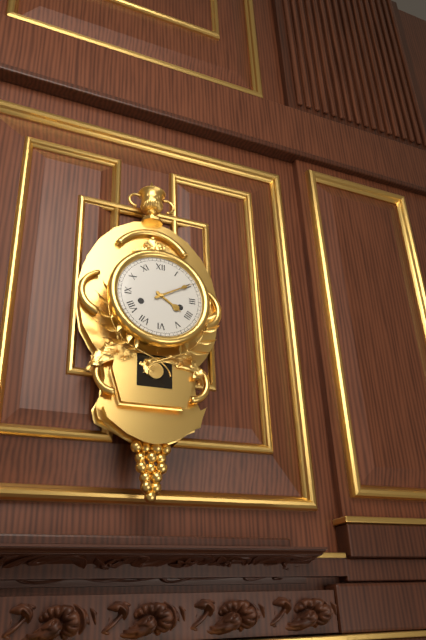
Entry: h=4 m=10
